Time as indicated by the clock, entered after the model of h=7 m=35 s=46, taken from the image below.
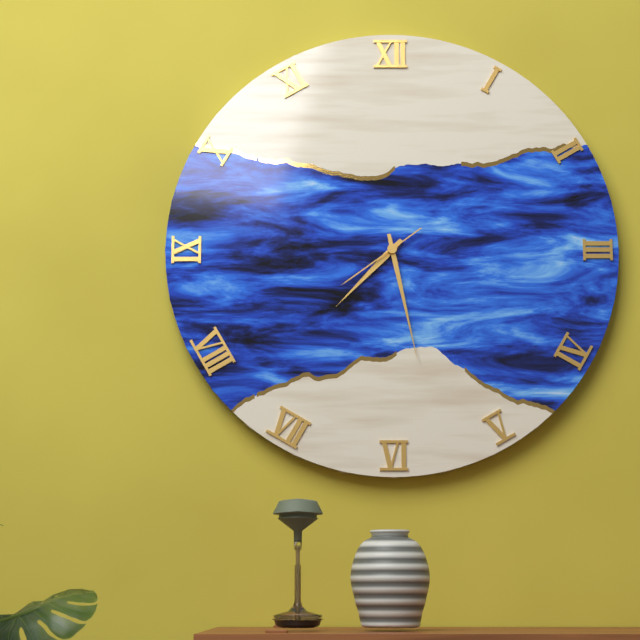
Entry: h=7 m=28 s=39
